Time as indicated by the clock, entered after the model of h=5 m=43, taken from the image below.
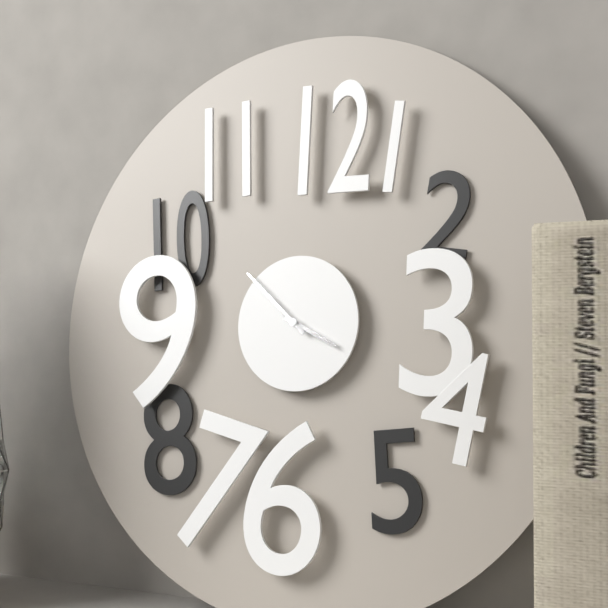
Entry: h=3 m=52
